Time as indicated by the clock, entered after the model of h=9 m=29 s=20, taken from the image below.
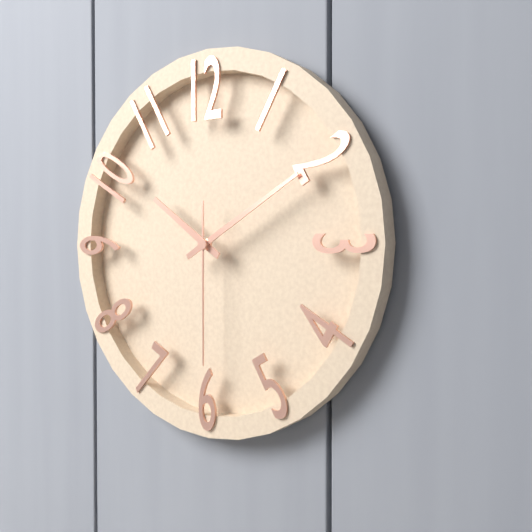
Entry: h=10 m=10 s=30
